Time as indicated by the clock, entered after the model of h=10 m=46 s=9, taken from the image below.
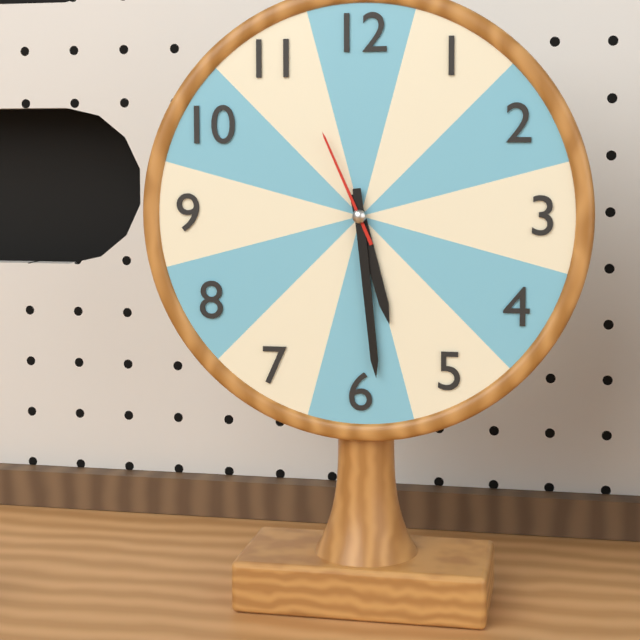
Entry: h=5 m=29 s=56
